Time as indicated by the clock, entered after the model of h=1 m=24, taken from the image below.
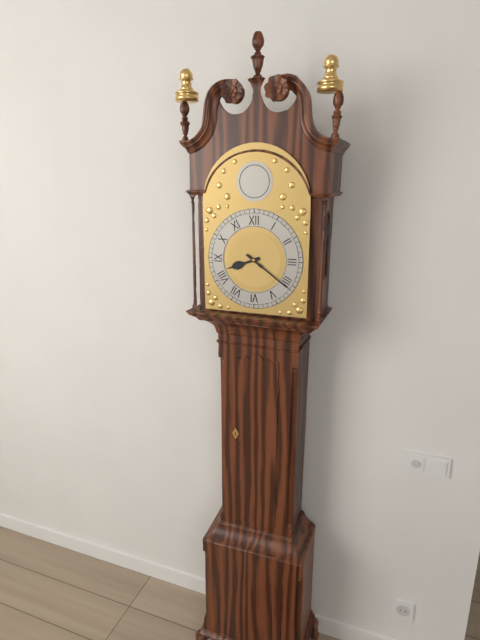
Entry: h=8 m=21
